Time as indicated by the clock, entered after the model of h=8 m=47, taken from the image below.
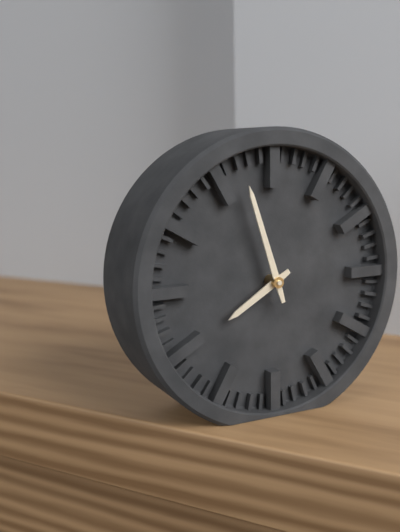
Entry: h=7 m=57
